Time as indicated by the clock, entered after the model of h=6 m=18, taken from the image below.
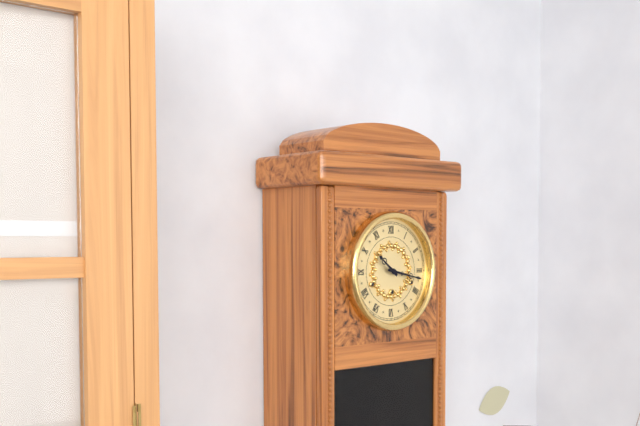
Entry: h=10 m=17
